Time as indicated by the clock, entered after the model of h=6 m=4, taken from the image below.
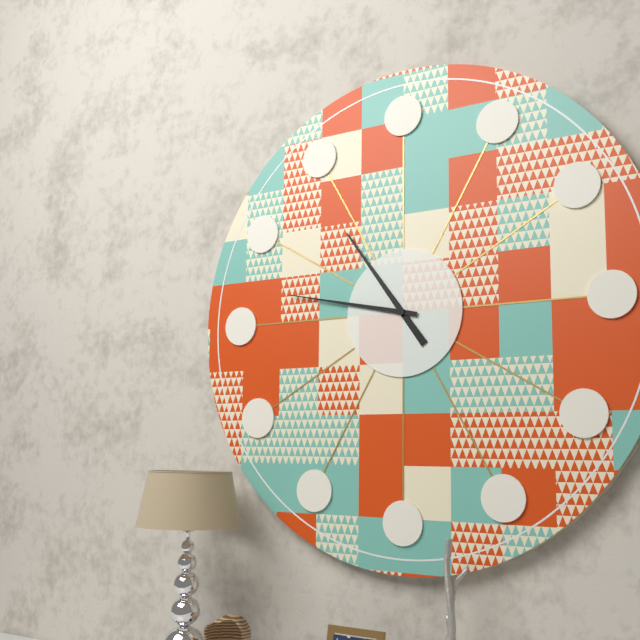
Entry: h=10 m=47
